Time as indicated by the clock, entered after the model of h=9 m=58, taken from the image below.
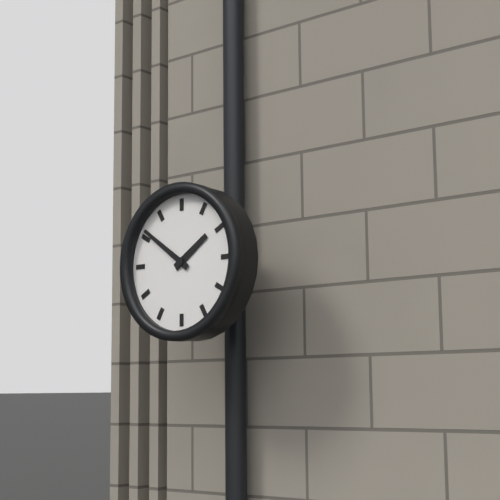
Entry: h=1 m=51
